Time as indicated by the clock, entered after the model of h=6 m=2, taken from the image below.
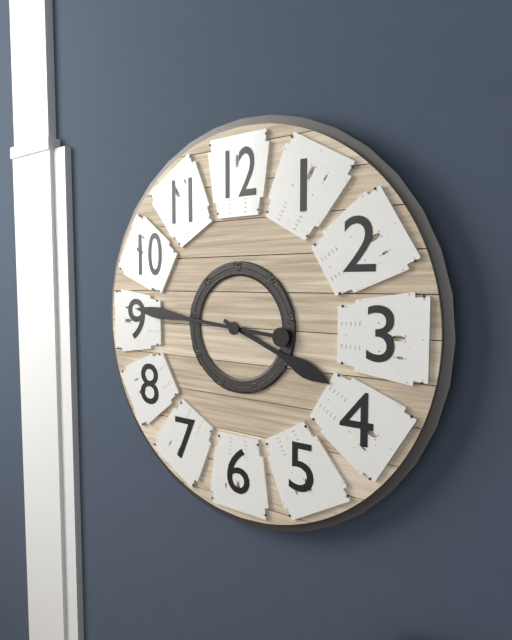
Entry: h=3 m=46
